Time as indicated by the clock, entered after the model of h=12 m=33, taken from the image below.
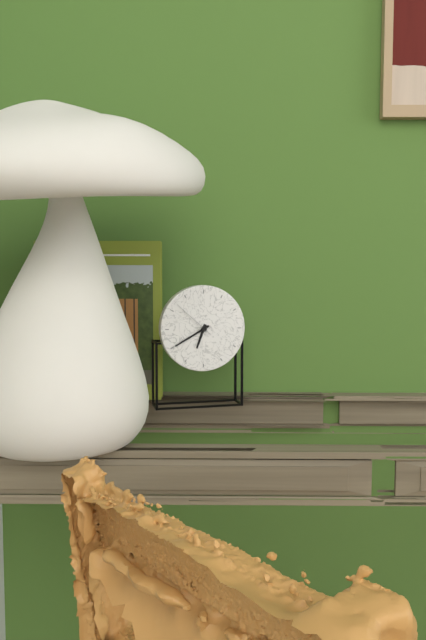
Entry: h=6 m=40
